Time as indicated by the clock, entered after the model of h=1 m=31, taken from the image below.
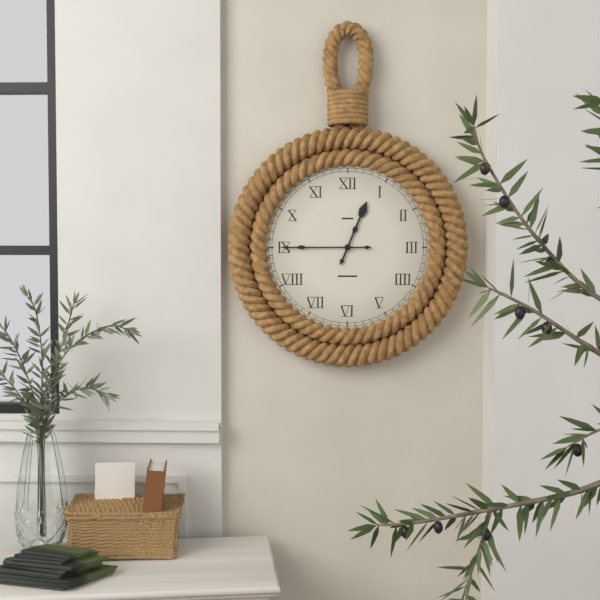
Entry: h=12 m=45
